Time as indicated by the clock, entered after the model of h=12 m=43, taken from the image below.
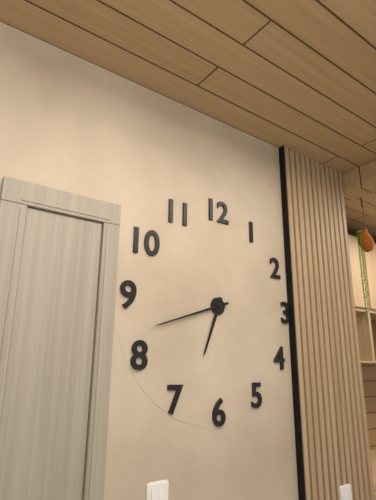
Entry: h=6 m=42
